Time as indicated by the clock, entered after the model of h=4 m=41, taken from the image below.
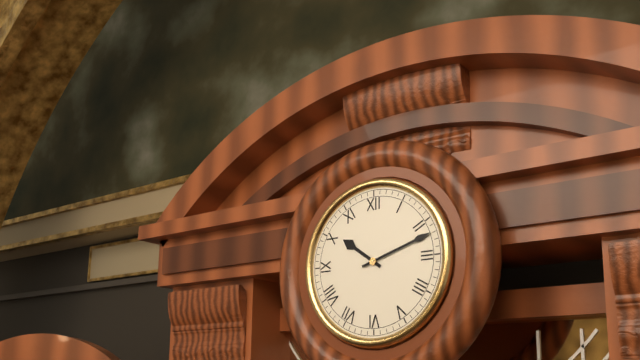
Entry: h=10 m=12
